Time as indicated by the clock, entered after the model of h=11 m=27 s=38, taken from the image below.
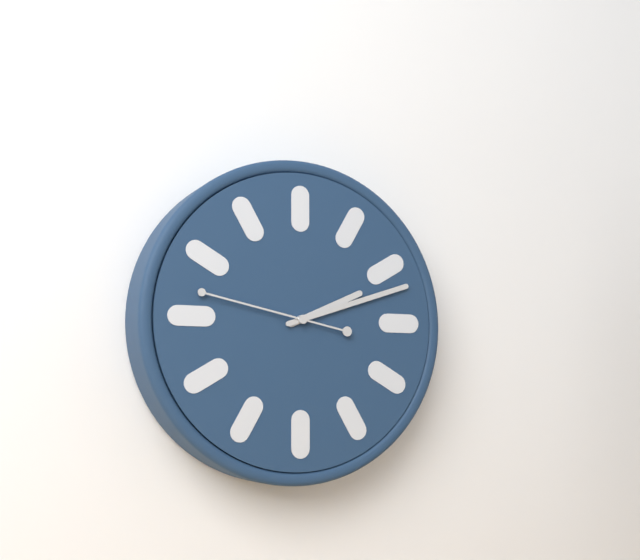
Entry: h=2 m=12 s=47
